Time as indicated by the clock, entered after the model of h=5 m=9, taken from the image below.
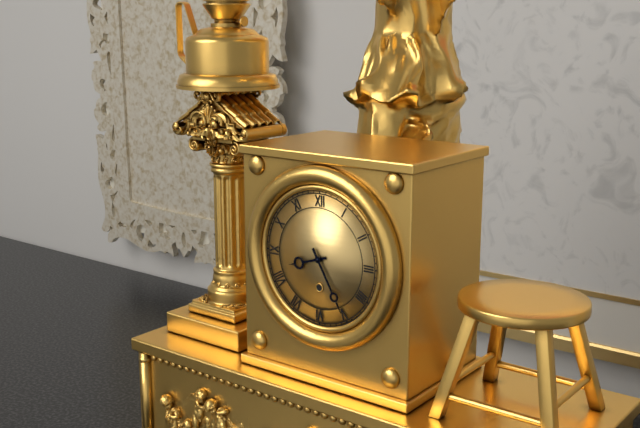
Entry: h=8 m=25
